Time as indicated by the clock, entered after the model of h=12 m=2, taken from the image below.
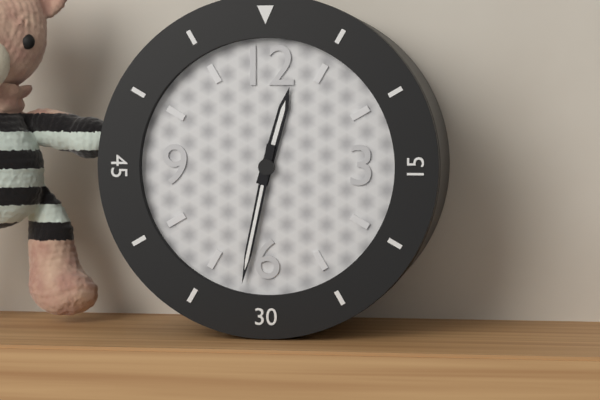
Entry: h=12 m=32
